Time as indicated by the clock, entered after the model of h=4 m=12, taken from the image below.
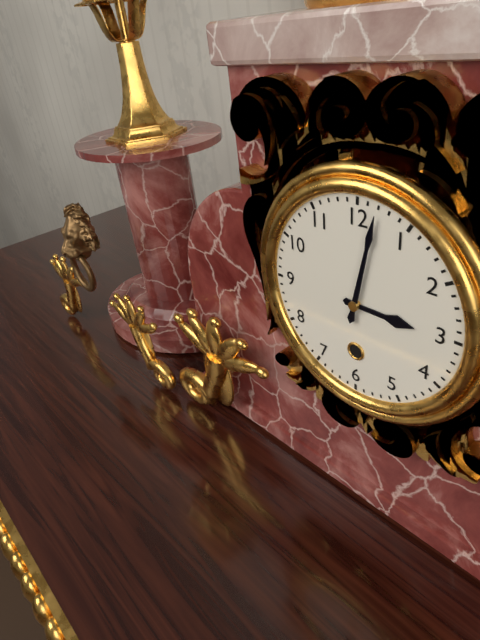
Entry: h=3 m=2
